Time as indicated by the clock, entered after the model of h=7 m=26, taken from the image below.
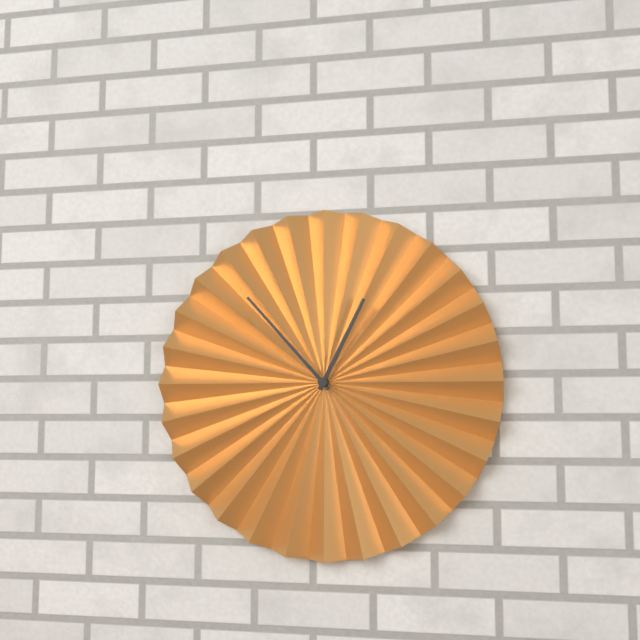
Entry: h=12 m=53
